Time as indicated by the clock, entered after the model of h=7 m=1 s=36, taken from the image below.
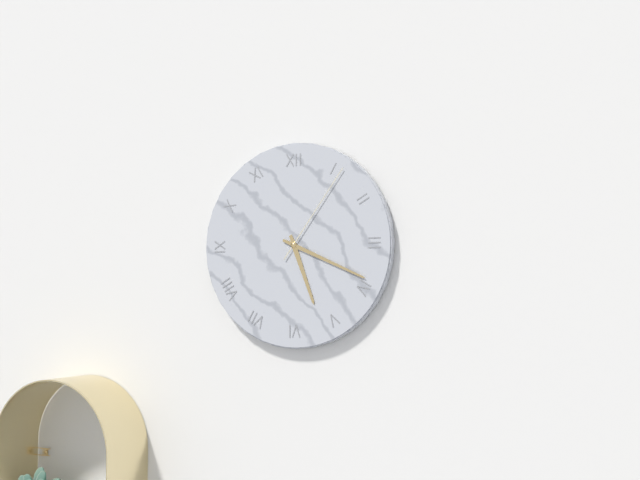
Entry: h=5 m=19 s=6
